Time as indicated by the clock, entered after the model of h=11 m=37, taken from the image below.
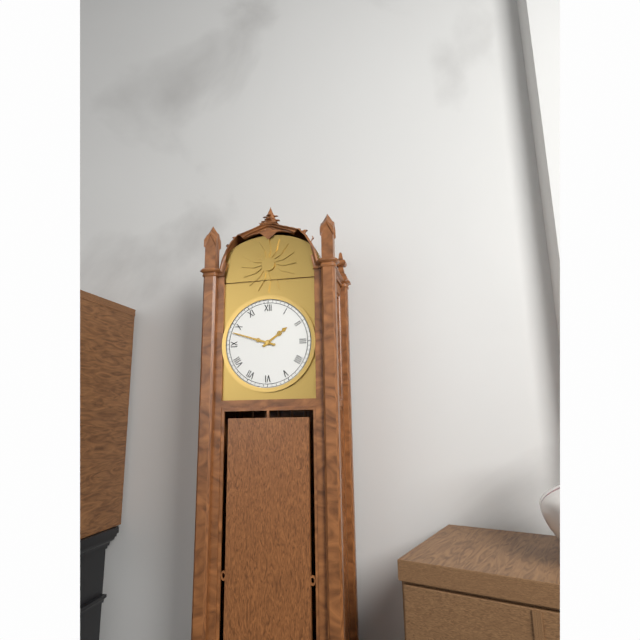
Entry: h=1 m=48
